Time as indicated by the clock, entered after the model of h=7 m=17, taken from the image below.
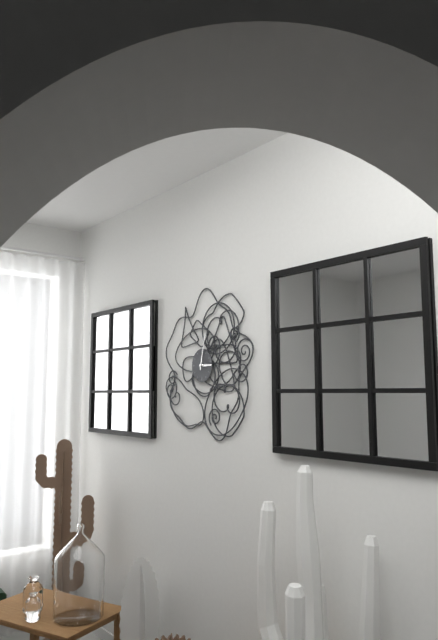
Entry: h=3 m=2
